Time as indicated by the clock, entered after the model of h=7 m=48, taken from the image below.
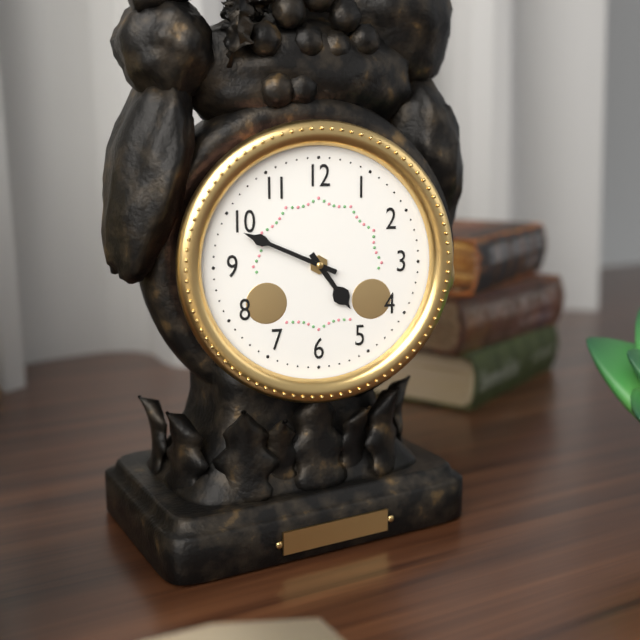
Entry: h=4 m=49
